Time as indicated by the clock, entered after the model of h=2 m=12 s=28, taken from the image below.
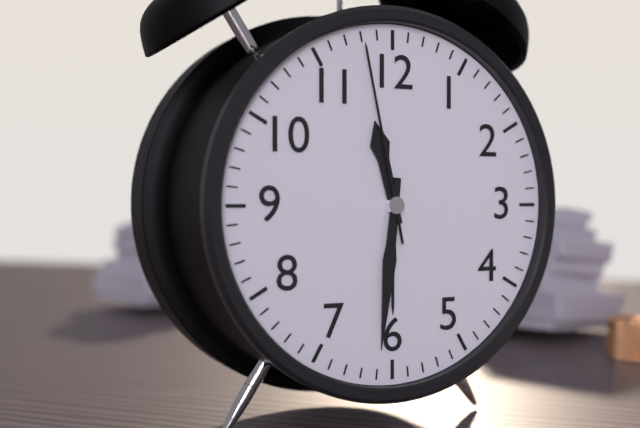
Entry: h=11 m=31 s=58
